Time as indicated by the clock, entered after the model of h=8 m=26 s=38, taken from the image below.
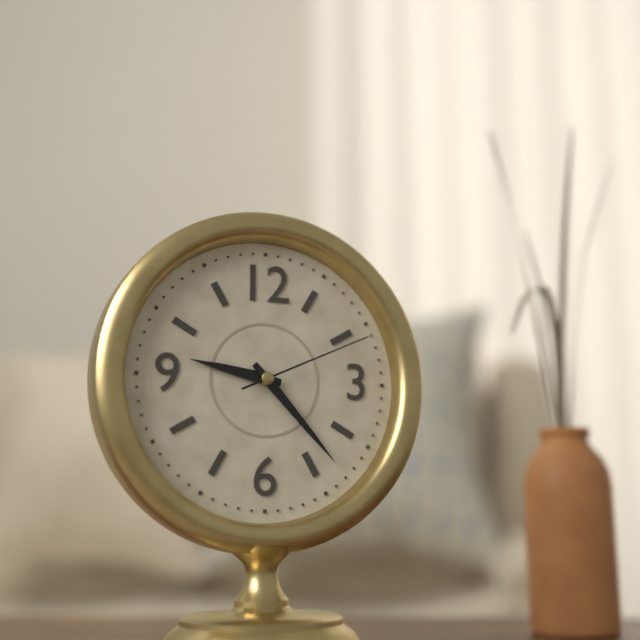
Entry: h=9 m=23 s=11
